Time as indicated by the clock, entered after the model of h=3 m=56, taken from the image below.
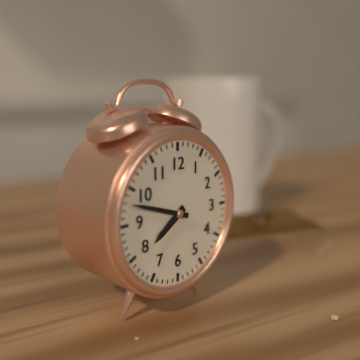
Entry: h=7 m=48
